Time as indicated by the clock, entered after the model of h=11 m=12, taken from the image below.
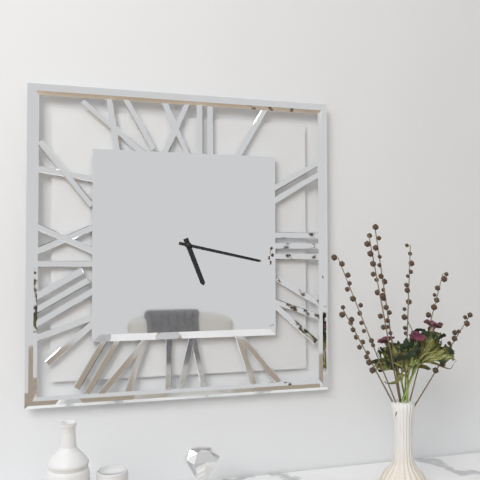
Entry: h=5 m=17
